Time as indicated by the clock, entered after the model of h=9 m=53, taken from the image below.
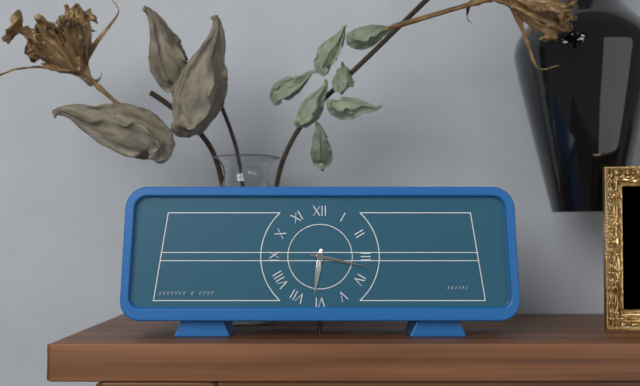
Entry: h=6 m=17
